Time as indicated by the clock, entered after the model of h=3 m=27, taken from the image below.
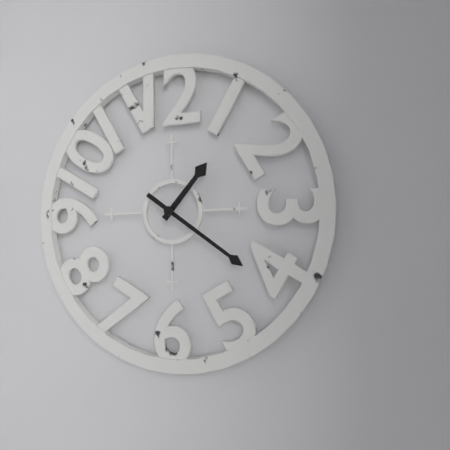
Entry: h=1 m=21
